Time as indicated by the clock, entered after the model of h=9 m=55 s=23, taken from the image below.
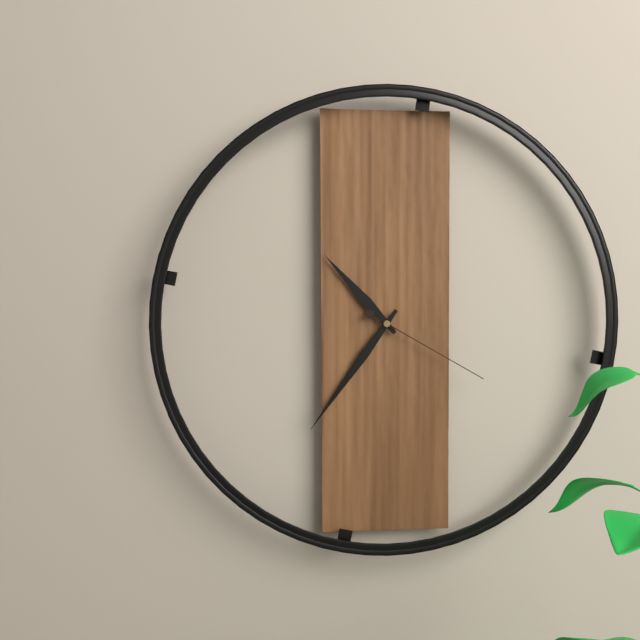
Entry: h=10 m=36 s=20
